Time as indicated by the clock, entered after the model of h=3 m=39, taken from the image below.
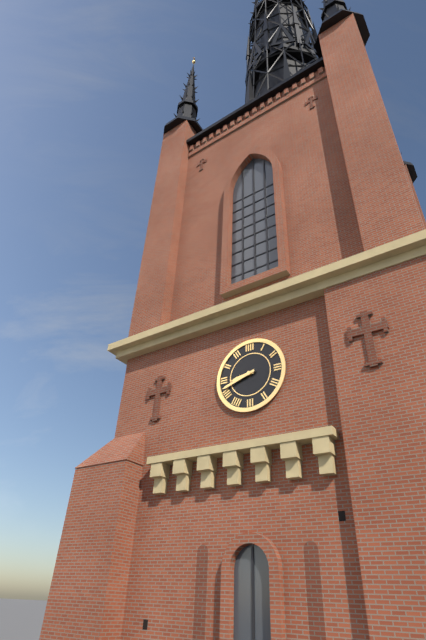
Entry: h=8 m=42
